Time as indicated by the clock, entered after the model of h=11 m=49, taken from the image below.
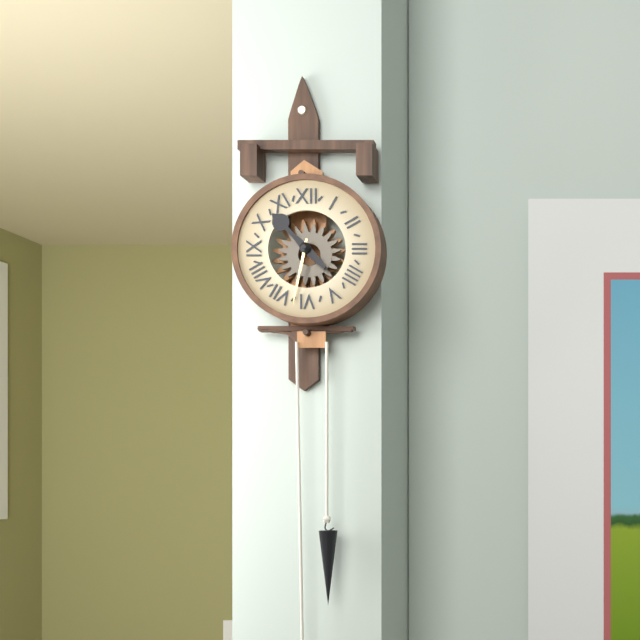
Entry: h=10 m=32
